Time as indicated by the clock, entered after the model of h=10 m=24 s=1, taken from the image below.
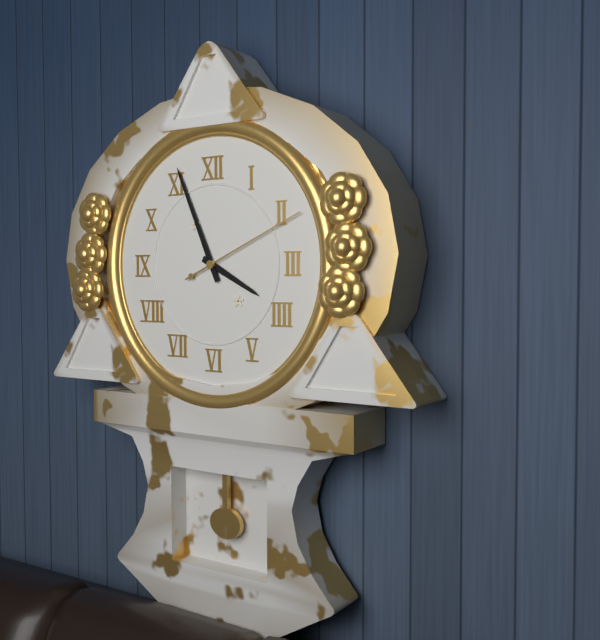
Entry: h=3 m=56 s=11
